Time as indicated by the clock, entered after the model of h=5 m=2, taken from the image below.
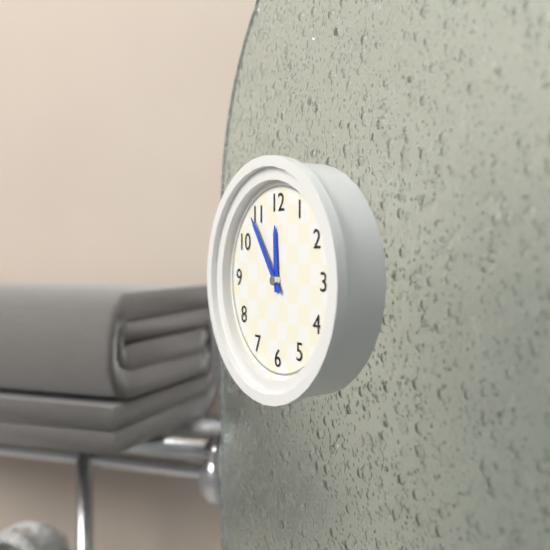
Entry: h=11 m=54
